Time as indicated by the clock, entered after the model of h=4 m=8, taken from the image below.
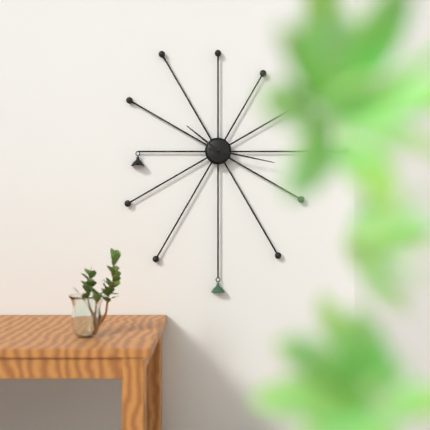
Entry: h=10 m=17
